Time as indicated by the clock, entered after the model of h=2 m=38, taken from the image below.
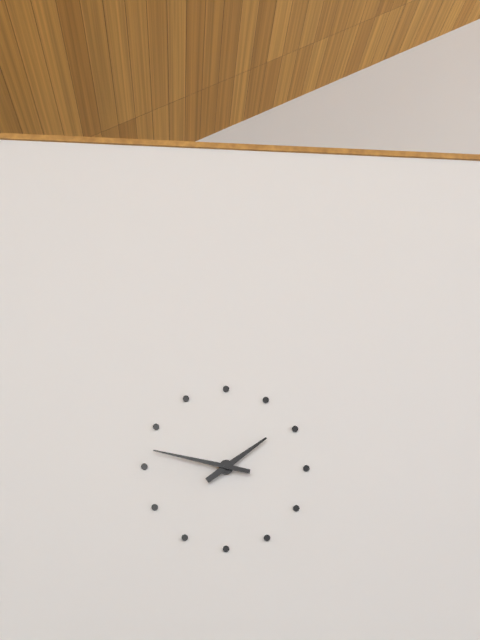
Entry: h=1 m=47
